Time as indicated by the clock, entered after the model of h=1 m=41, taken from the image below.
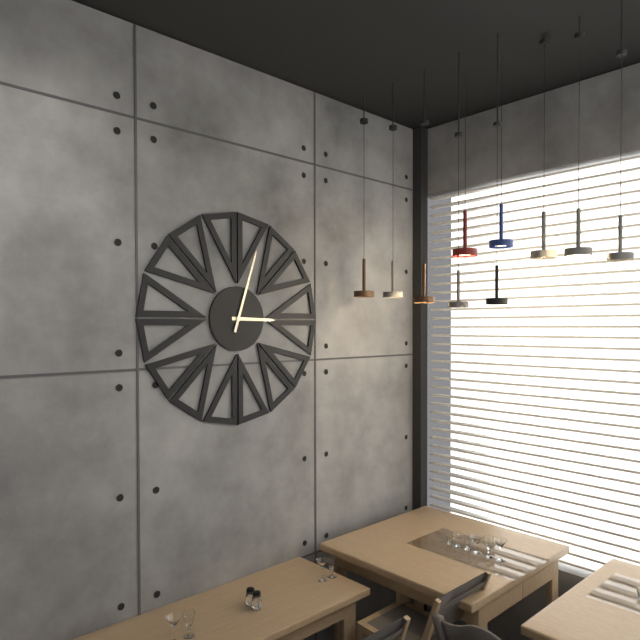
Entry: h=3 m=3
